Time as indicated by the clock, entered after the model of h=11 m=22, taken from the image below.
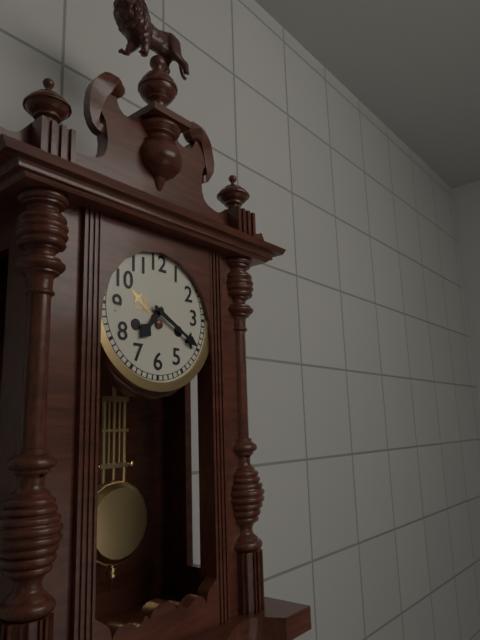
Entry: h=7 m=20
